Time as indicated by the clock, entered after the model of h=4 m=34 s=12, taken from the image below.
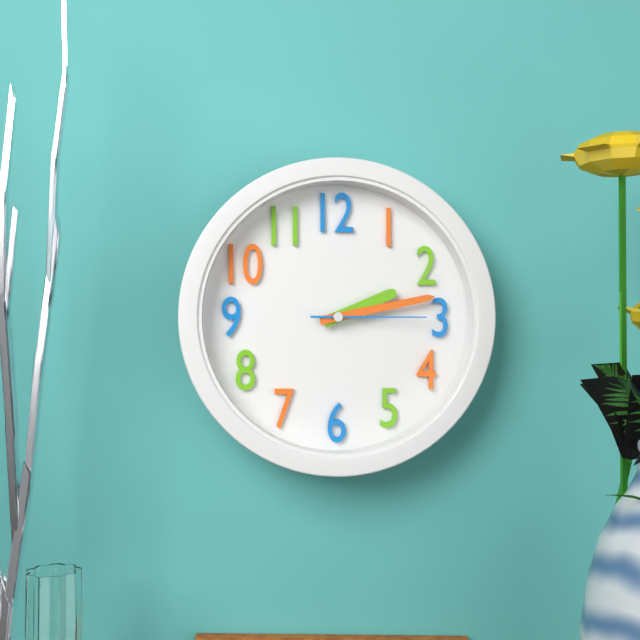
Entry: h=2 m=13 s=15
